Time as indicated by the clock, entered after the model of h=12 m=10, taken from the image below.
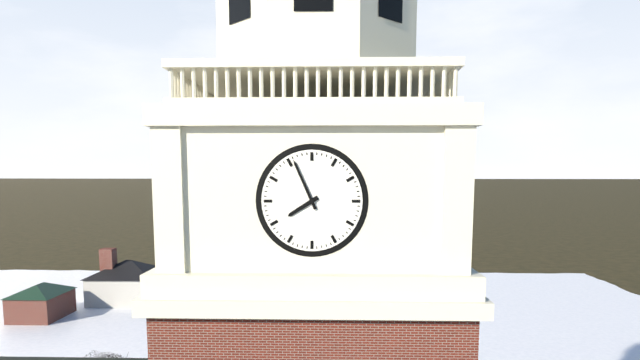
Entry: h=7 m=56
